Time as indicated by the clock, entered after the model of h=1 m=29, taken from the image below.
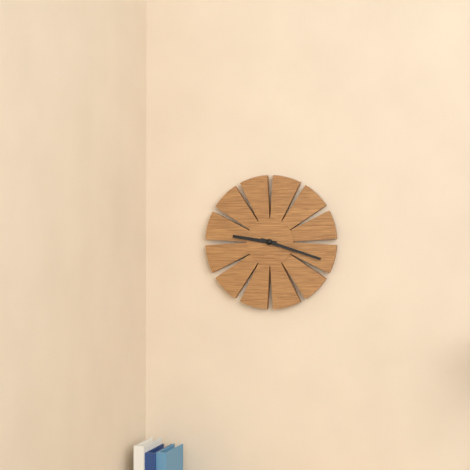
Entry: h=9 m=18
